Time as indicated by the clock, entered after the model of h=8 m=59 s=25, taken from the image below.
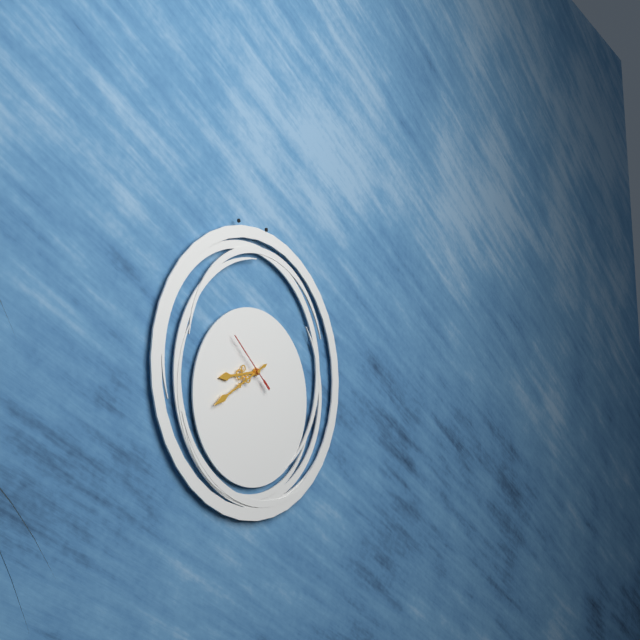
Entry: h=8 m=40 s=52
